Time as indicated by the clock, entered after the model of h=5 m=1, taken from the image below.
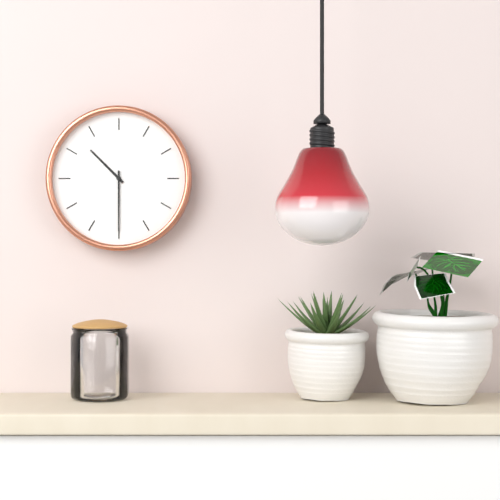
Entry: h=10 m=30
